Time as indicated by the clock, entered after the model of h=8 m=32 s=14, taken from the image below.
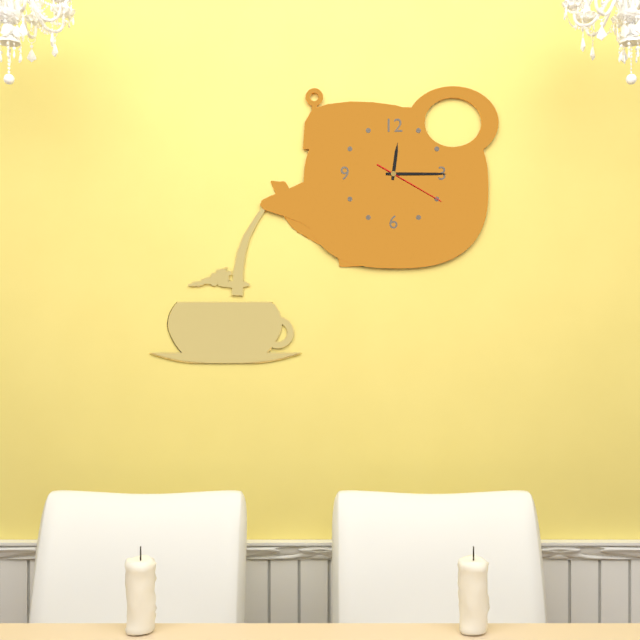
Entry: h=12 m=15 s=20
